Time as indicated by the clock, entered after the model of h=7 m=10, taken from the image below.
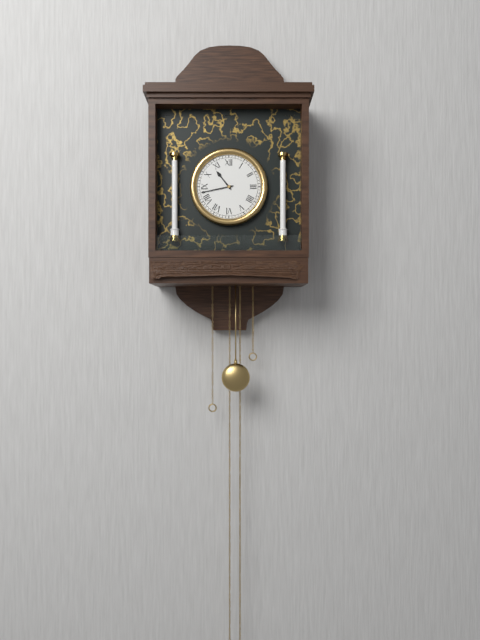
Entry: h=10 m=43
